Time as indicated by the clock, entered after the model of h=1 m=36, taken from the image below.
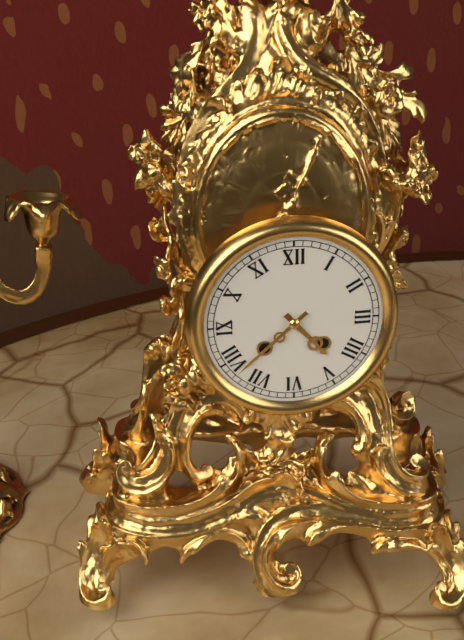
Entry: h=4 m=38
